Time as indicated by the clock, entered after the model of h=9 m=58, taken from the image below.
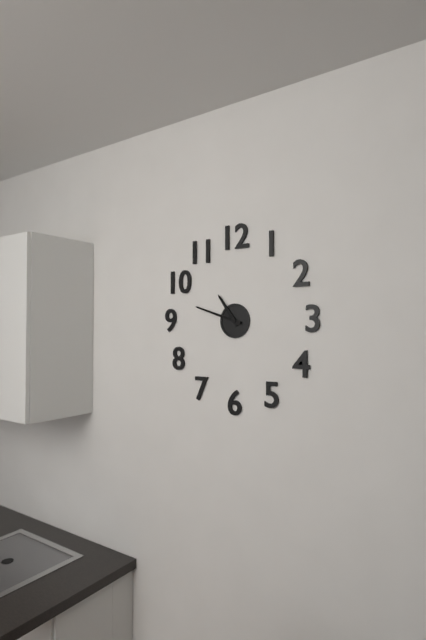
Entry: h=10 m=48
